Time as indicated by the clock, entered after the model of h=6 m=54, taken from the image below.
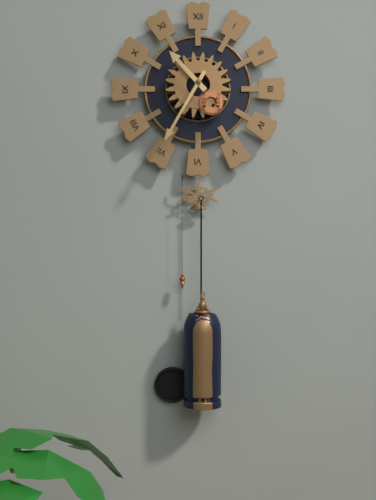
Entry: h=10 m=35
